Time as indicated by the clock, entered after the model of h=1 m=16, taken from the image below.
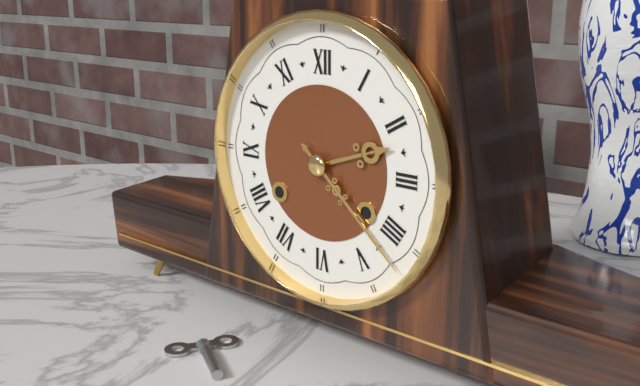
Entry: h=2 m=22
